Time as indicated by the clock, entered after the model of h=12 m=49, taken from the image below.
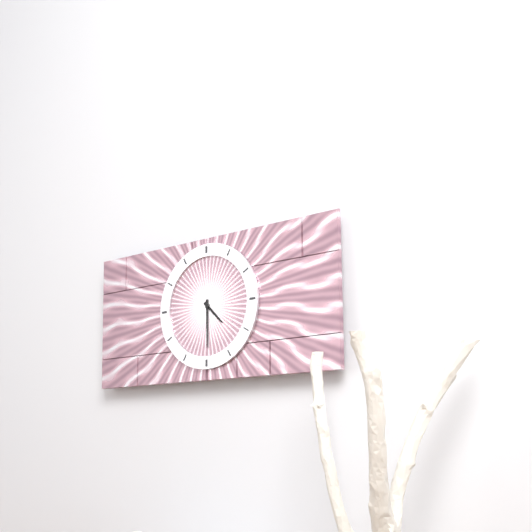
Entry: h=4 m=30
